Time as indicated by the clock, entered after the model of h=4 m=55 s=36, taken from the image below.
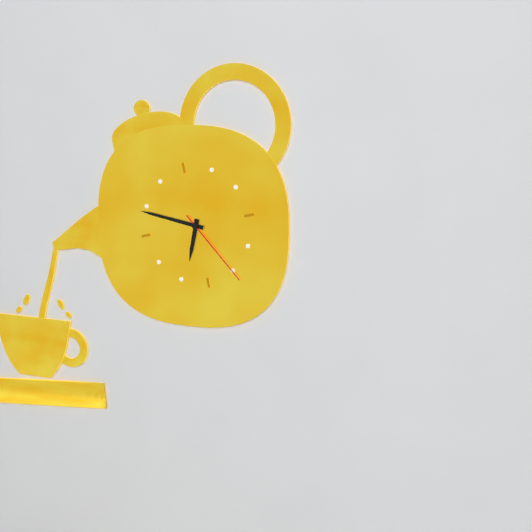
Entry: h=6 m=49 s=25
